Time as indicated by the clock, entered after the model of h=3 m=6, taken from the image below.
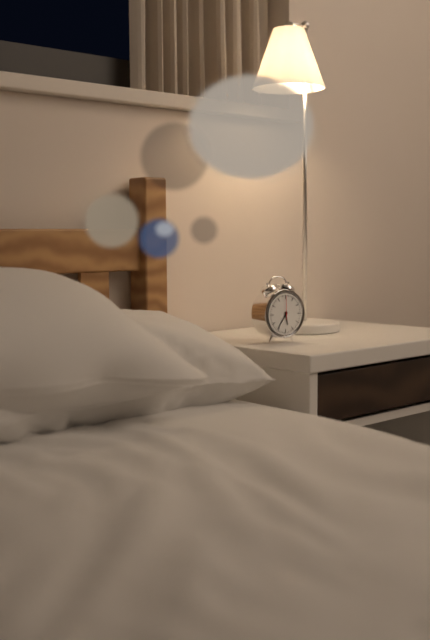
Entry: h=5 m=36
